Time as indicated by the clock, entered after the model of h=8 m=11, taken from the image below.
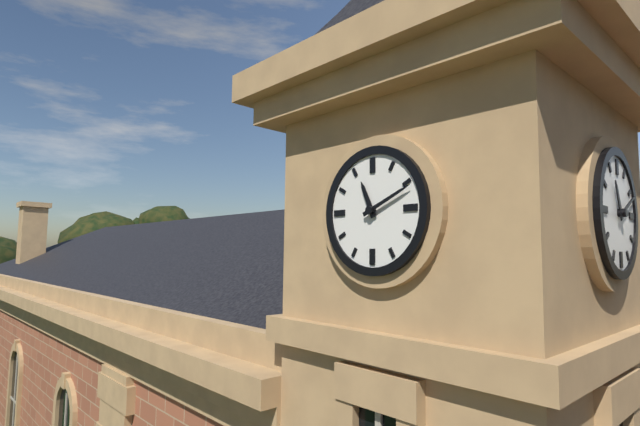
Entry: h=11 m=11
